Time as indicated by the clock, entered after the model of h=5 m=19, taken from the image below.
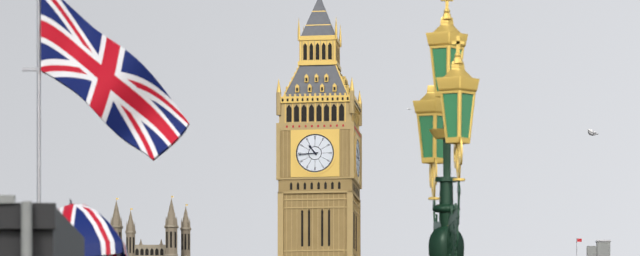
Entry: h=10 m=44
